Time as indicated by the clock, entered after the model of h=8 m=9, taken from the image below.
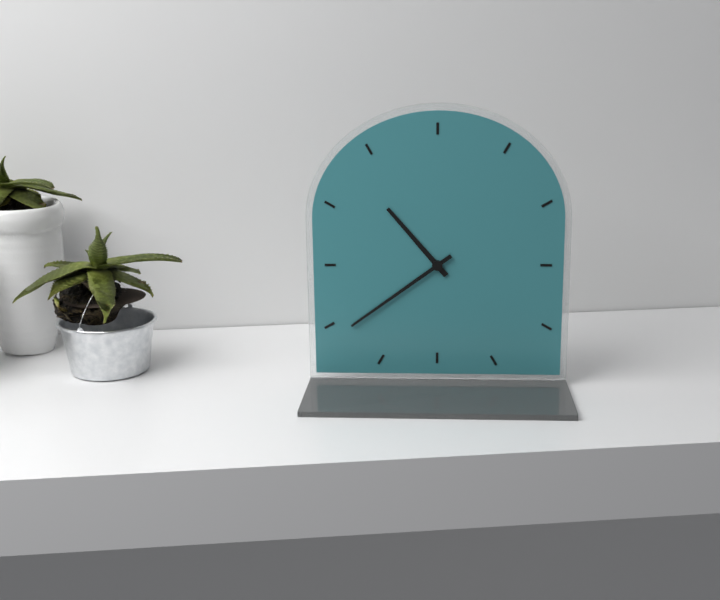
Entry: h=10 m=39
